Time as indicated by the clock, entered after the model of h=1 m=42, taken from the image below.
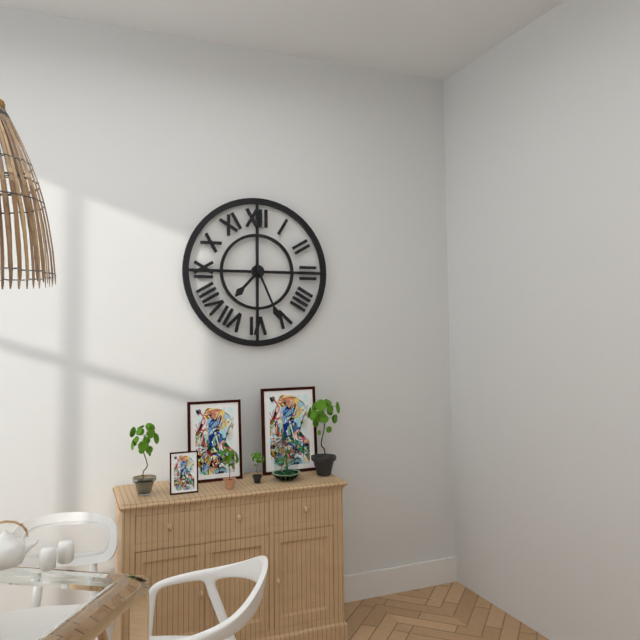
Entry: h=7 m=26
